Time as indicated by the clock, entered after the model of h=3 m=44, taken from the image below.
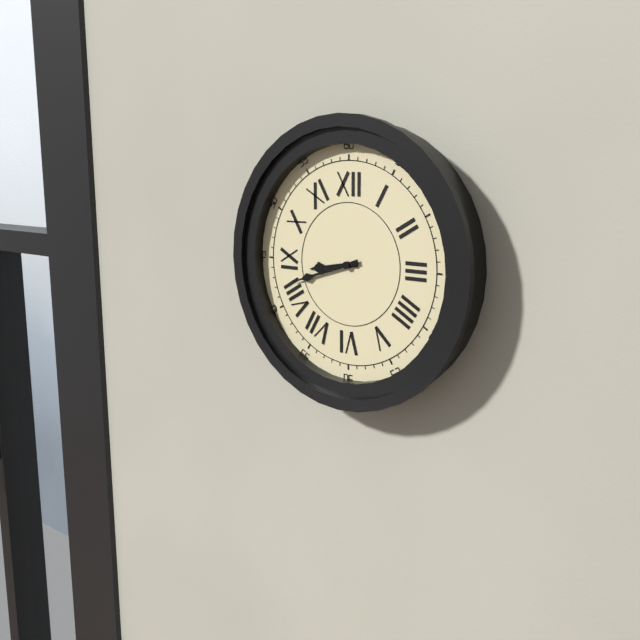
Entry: h=8 m=42
